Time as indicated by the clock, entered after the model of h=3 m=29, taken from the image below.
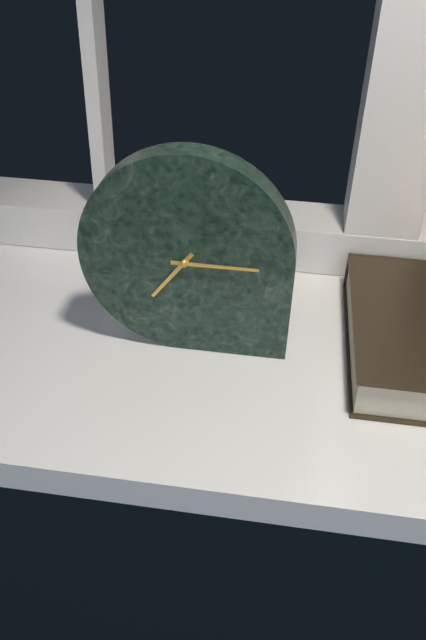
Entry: h=7 m=15
